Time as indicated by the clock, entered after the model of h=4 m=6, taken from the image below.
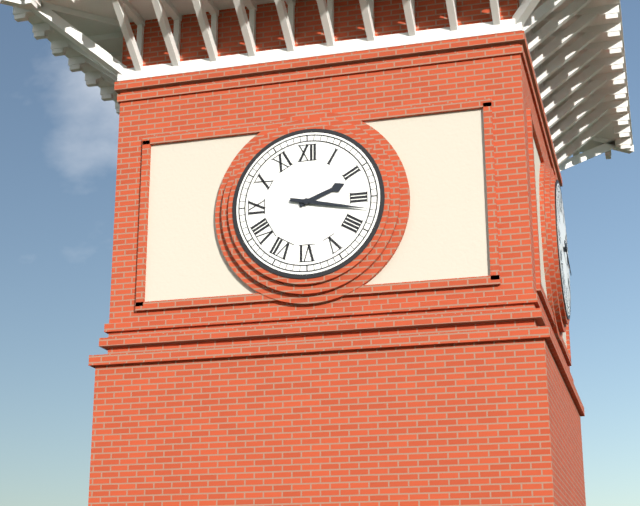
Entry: h=2 m=17
